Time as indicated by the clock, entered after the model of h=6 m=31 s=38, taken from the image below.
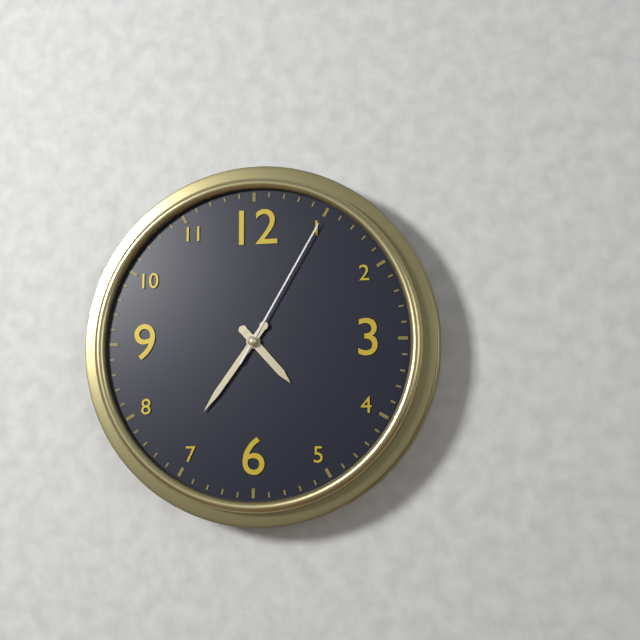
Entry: h=4 m=36 s=5
